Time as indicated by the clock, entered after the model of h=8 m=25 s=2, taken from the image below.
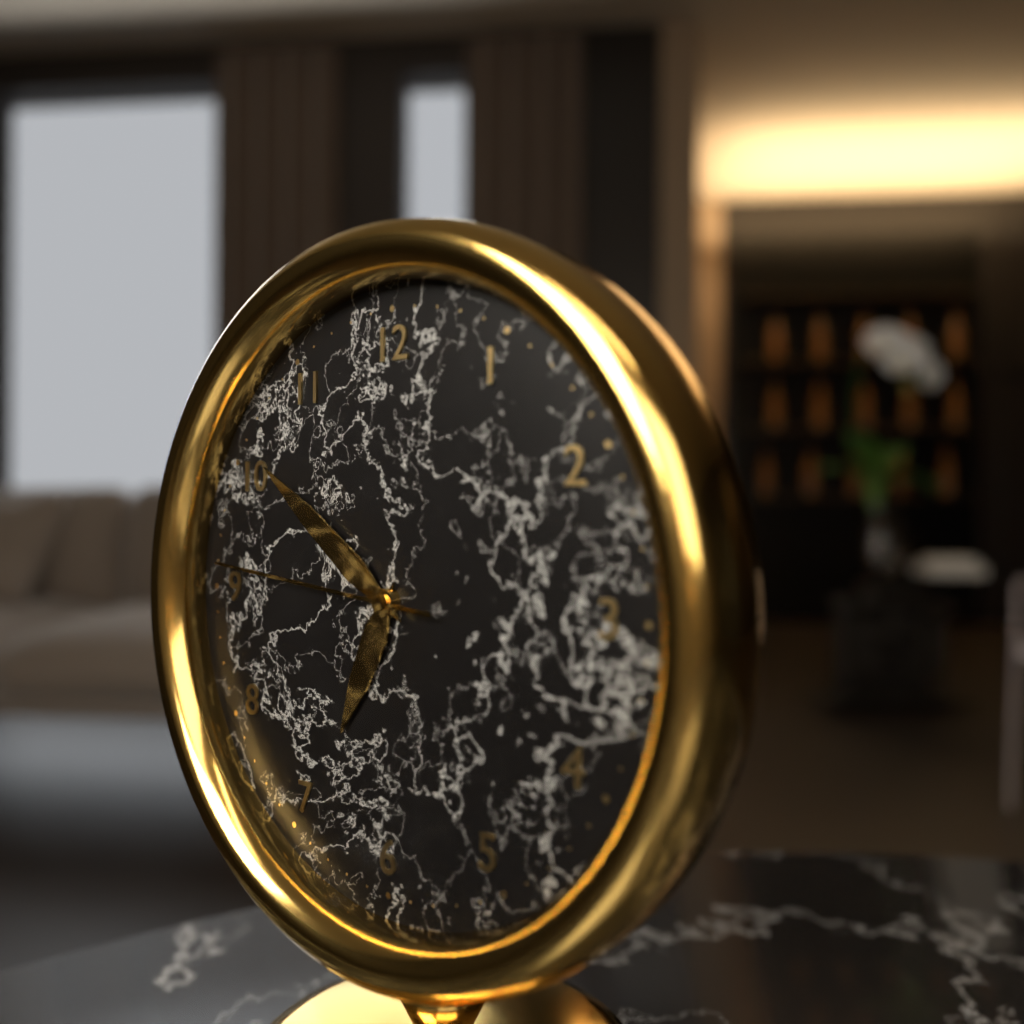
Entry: h=6 m=51 s=46
